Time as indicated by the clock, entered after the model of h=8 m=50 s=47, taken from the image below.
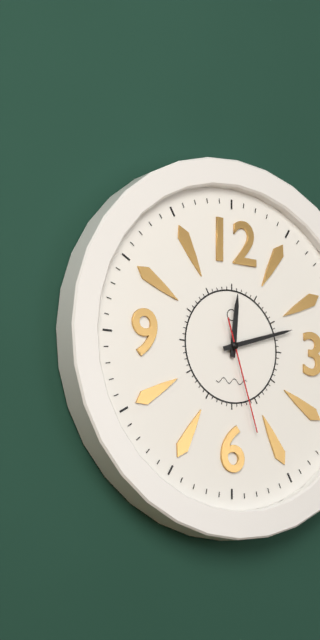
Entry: h=12 m=12 s=27
